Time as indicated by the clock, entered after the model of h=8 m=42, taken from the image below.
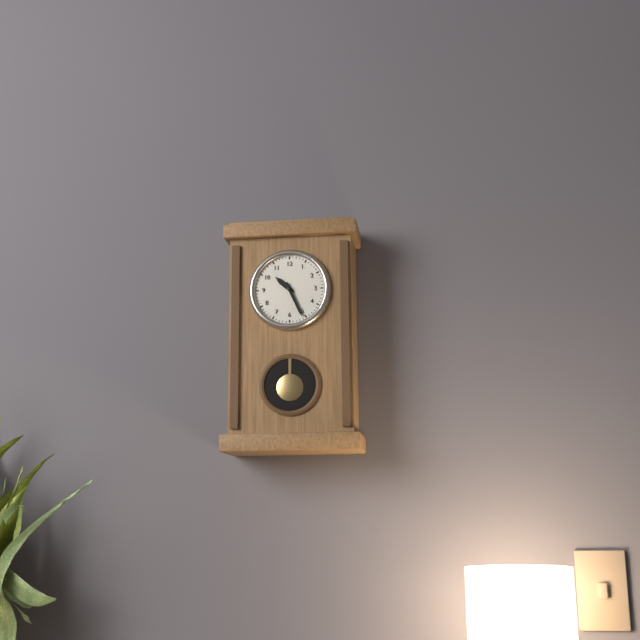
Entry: h=10 m=26
